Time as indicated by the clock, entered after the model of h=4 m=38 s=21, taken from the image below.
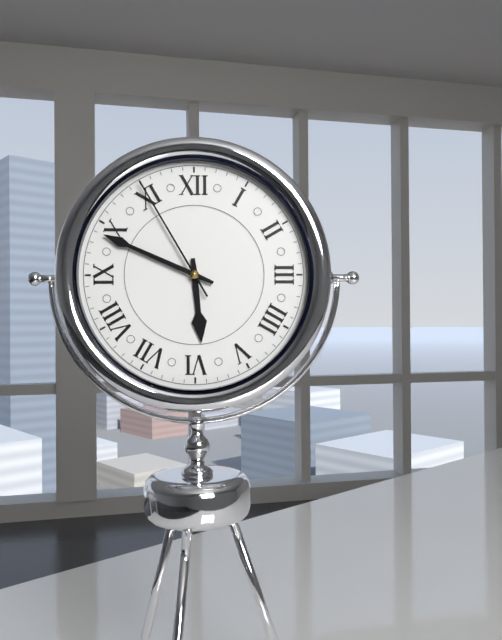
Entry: h=5 m=49 s=55
